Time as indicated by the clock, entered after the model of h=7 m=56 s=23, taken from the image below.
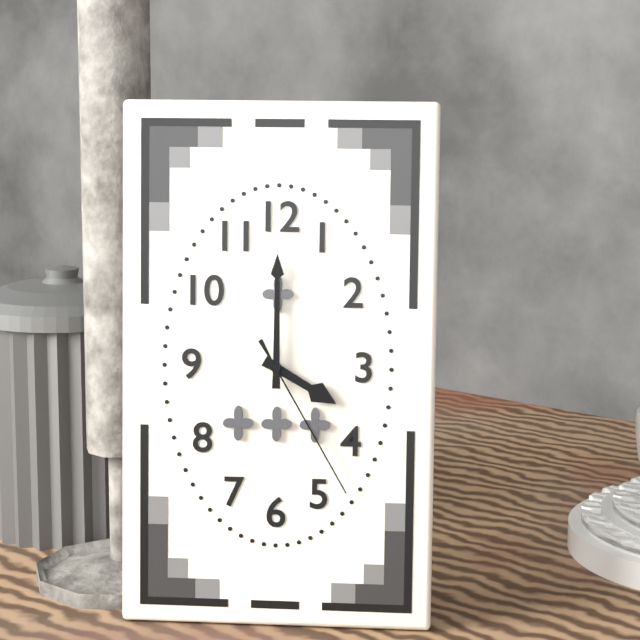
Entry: h=4 m=0 s=25
